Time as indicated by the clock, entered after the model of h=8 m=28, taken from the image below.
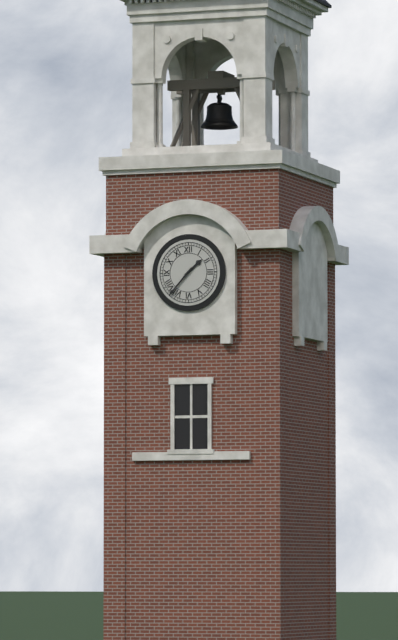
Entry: h=1 m=37
